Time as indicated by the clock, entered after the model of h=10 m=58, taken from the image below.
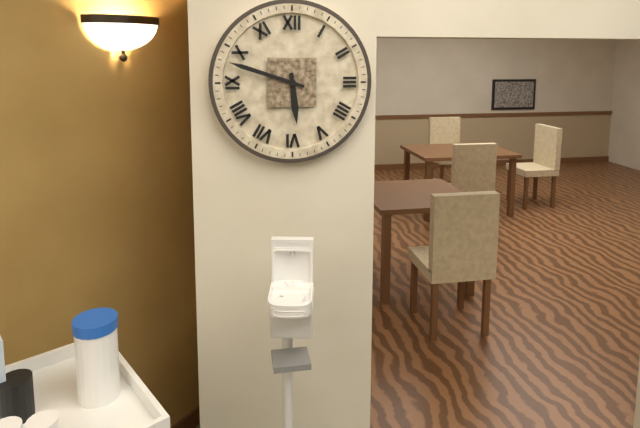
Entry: h=5 m=48
